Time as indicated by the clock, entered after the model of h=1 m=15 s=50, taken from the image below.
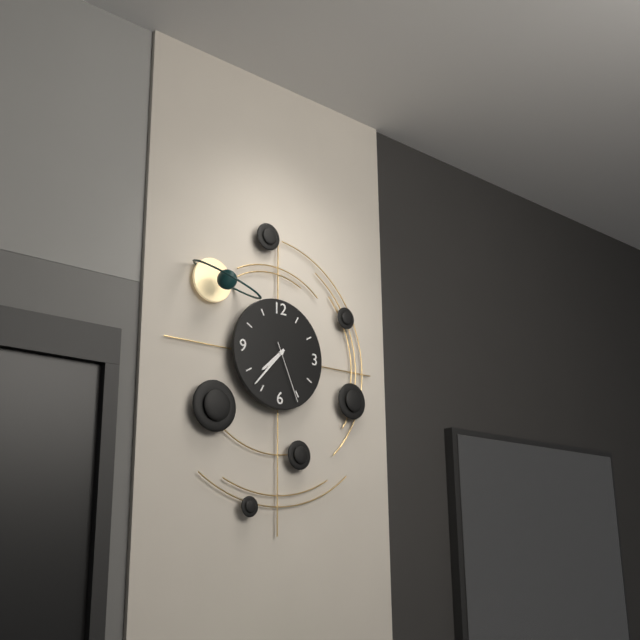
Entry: h=7 m=37 s=26
